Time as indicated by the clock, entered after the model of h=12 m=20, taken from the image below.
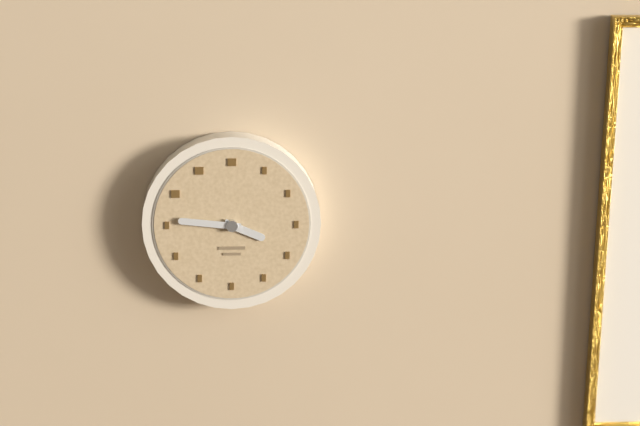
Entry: h=3 m=46
